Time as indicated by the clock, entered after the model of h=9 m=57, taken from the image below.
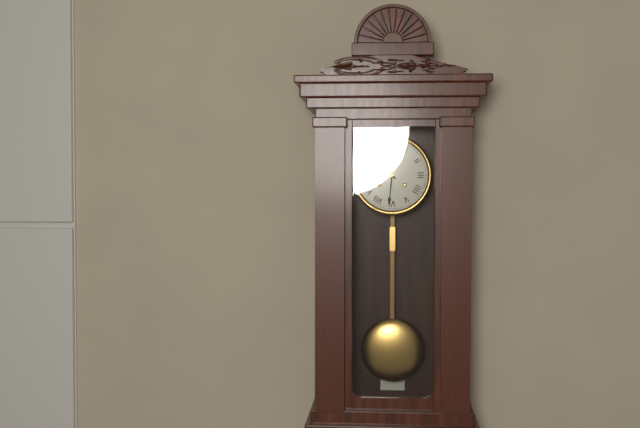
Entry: h=10 m=31
